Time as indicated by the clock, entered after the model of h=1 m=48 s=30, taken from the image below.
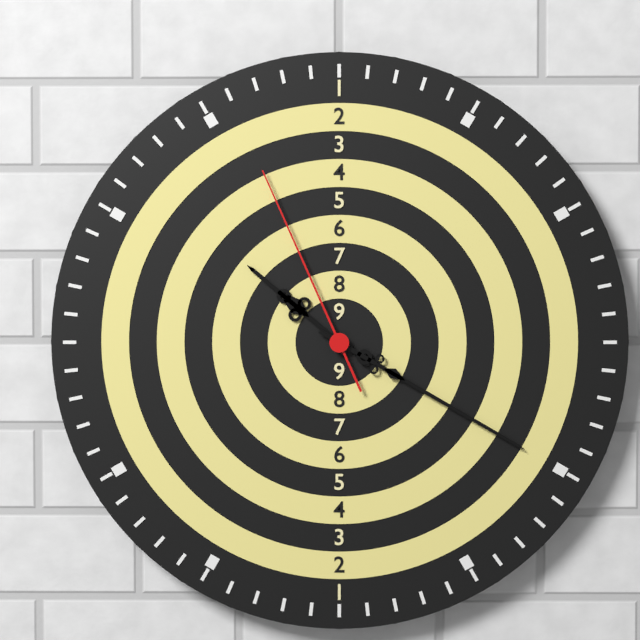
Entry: h=10 m=20 s=56
